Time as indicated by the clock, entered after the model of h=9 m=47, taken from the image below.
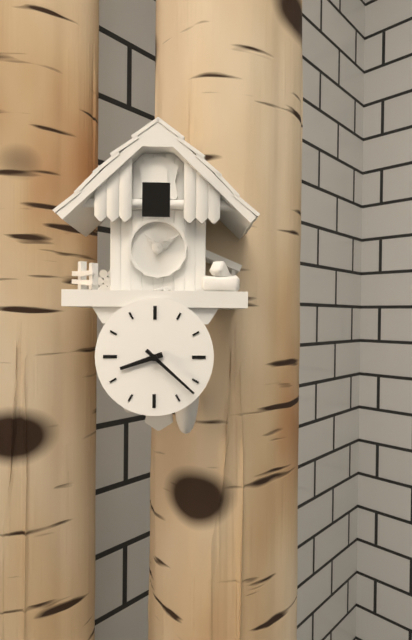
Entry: h=8 m=22
